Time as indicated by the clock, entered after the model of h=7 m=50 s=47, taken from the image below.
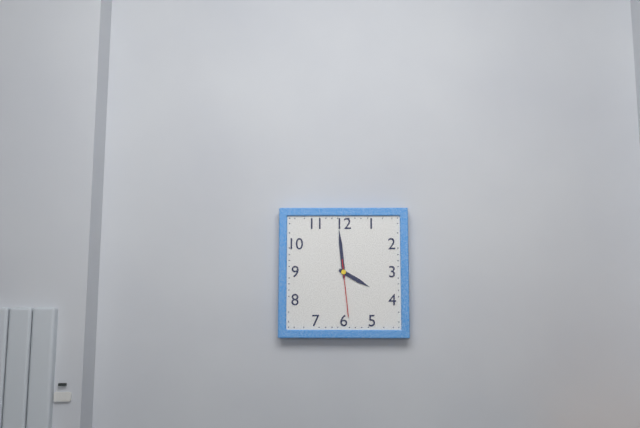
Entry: h=3 m=59 s=29
